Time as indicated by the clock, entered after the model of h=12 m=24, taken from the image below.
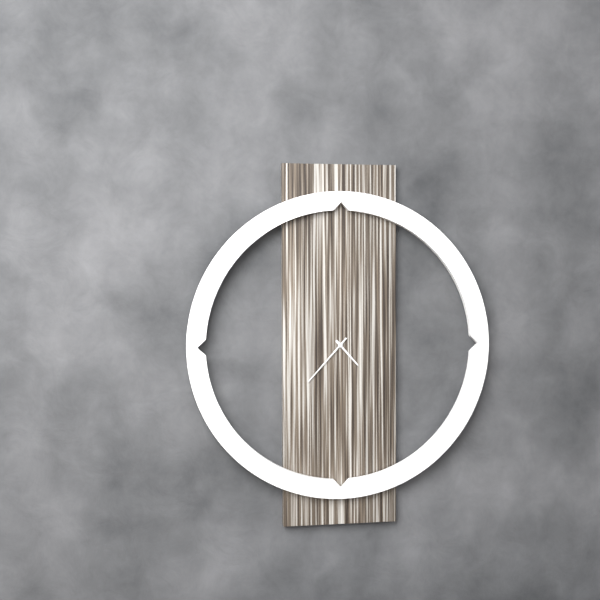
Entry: h=4 m=37
